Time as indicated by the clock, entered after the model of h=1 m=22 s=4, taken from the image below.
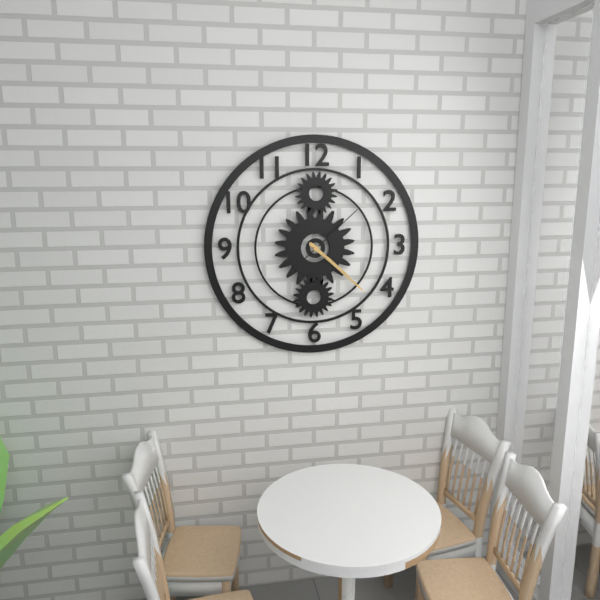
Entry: h=4 m=22 s=8
